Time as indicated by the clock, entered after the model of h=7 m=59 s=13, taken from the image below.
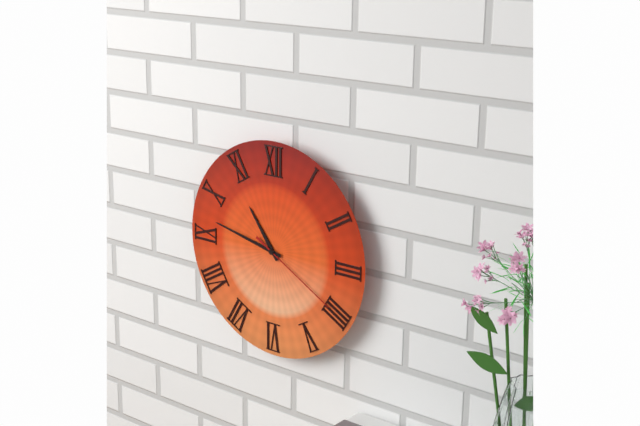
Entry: h=10 m=47 s=20
